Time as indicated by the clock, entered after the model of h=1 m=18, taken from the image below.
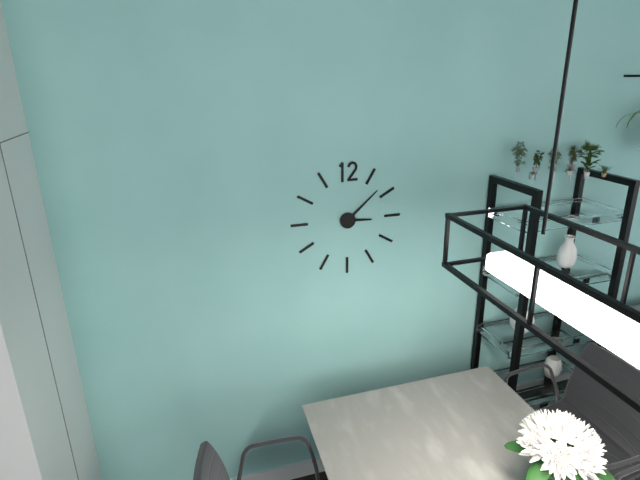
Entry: h=3 m=8
